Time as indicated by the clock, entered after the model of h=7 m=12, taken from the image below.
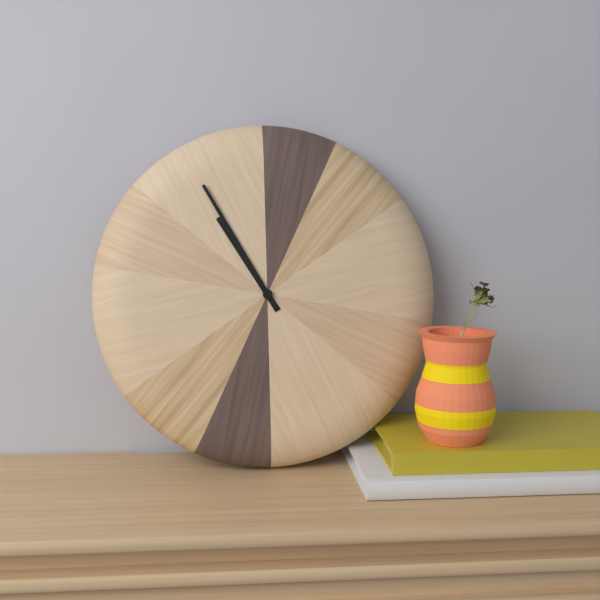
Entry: h=10 m=55
